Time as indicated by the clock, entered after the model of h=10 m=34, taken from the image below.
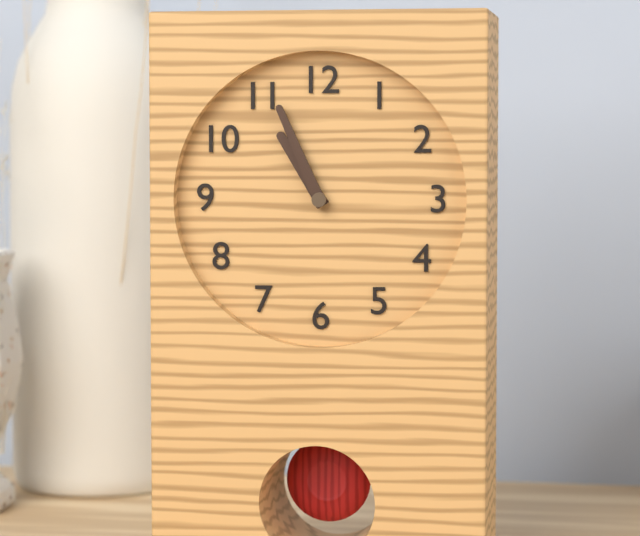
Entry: h=10 m=56
